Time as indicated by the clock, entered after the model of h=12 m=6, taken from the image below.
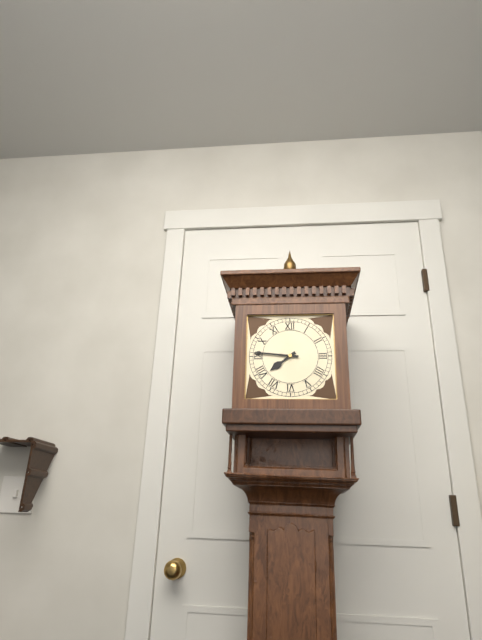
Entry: h=7 m=46
